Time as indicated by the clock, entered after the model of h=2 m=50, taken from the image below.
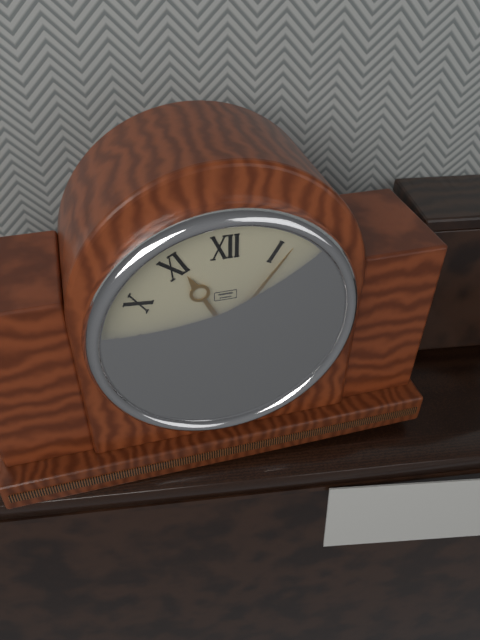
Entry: h=11 m=6
